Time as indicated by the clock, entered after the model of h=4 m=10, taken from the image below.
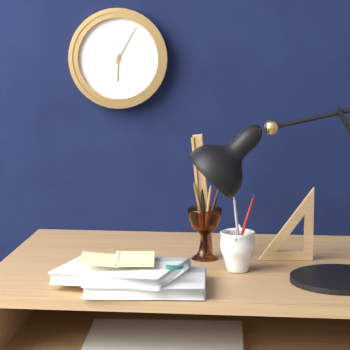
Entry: h=6 m=5
